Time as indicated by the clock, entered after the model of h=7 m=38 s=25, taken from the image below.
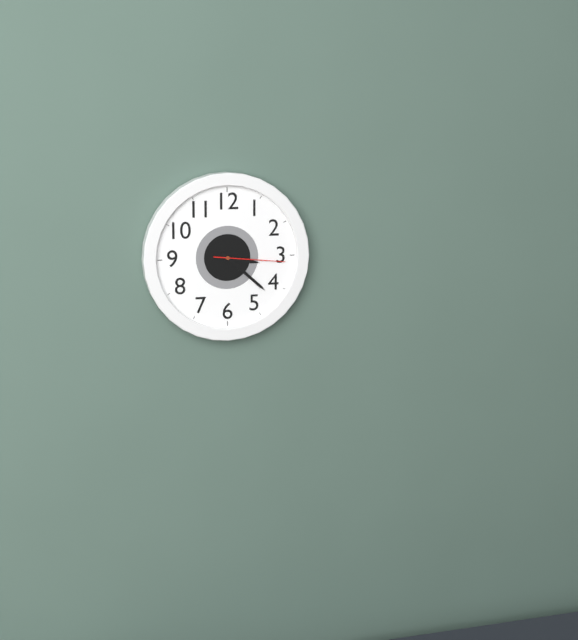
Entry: h=3 m=22 s=16
